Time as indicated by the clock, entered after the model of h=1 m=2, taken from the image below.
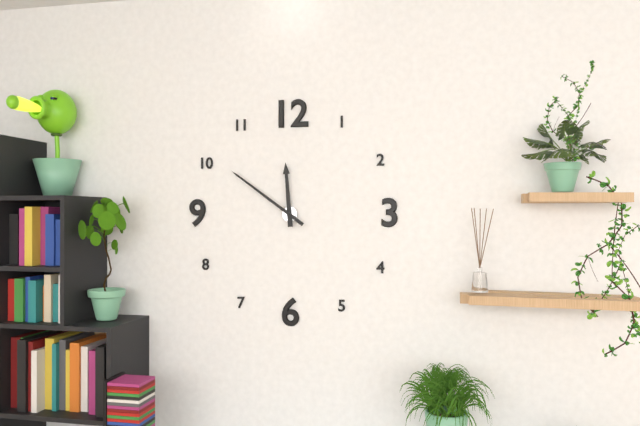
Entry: h=11 m=51
